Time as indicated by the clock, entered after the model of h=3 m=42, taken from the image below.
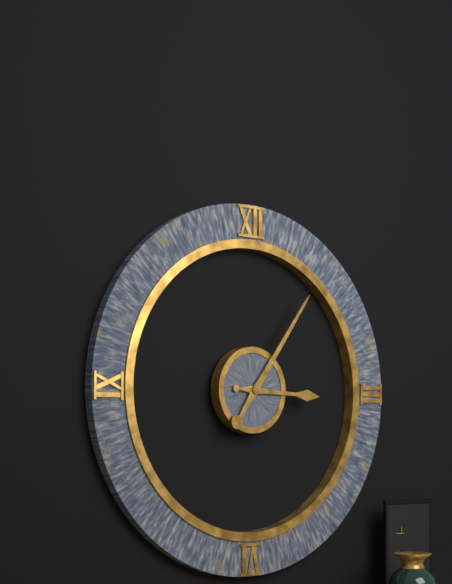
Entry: h=3 m=6
